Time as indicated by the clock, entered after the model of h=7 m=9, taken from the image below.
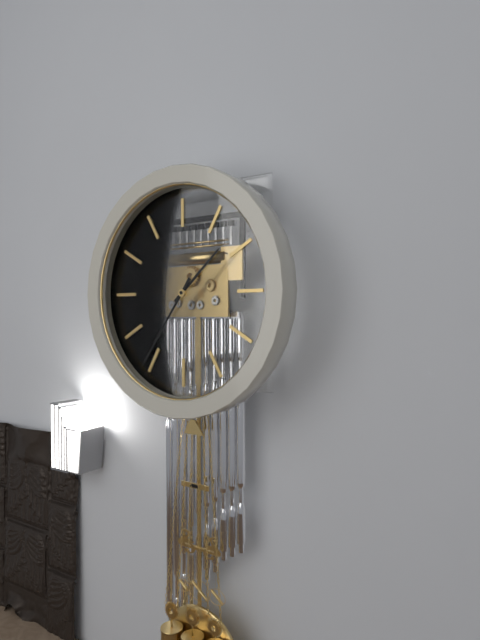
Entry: h=1 m=36
